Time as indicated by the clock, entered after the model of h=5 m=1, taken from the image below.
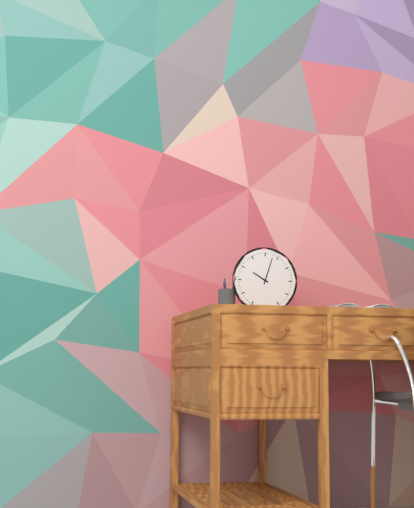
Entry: h=10 m=3
